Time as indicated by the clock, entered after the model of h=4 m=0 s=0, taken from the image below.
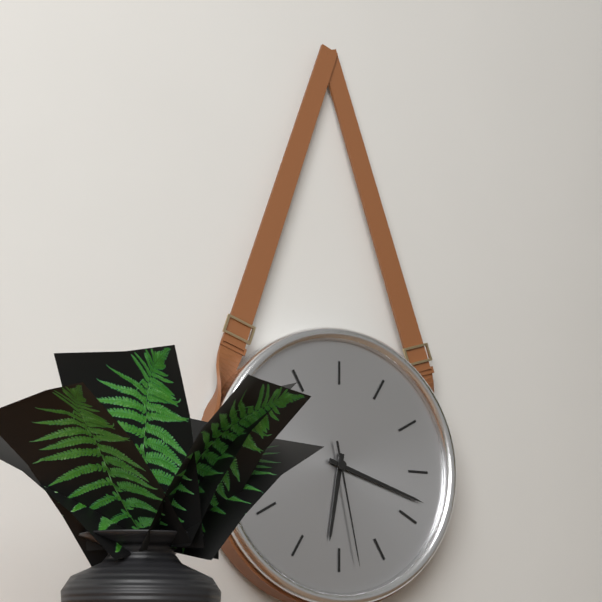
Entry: h=6 m=18 s=28
